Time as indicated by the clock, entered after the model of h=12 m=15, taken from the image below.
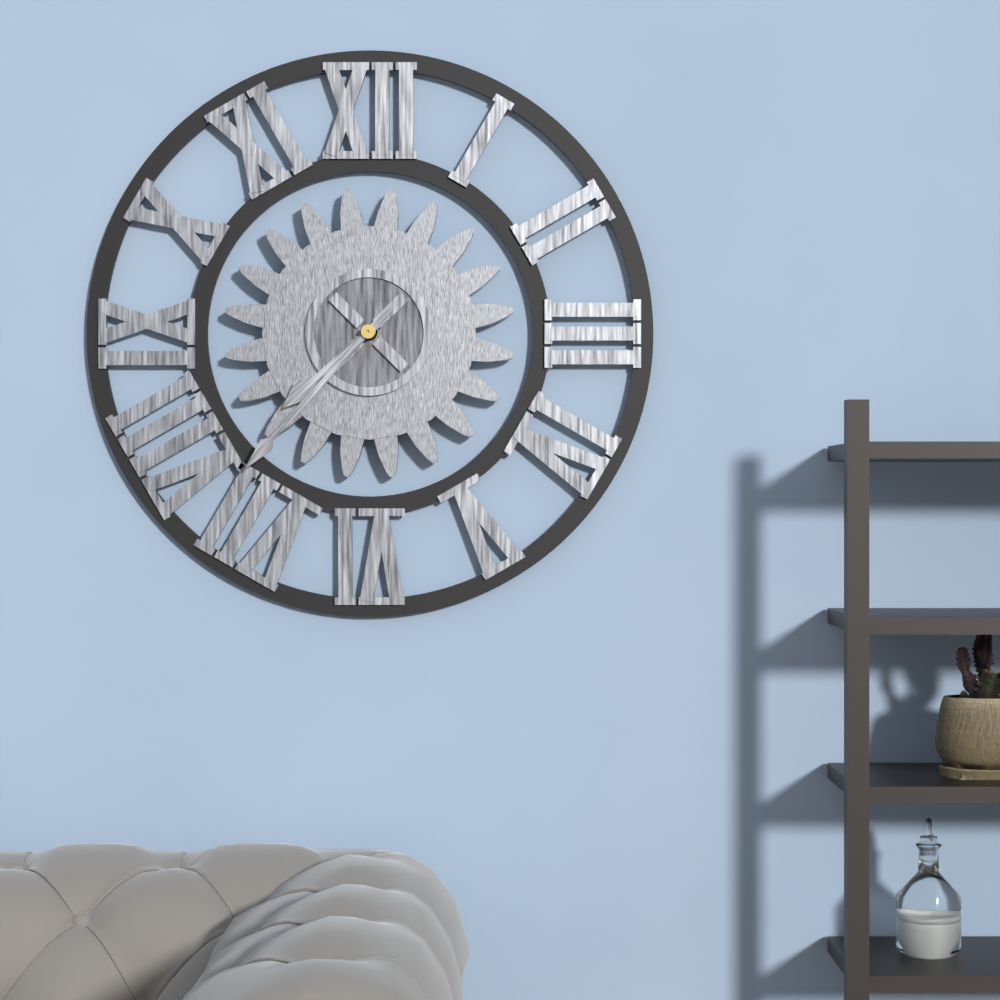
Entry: h=7 m=37
